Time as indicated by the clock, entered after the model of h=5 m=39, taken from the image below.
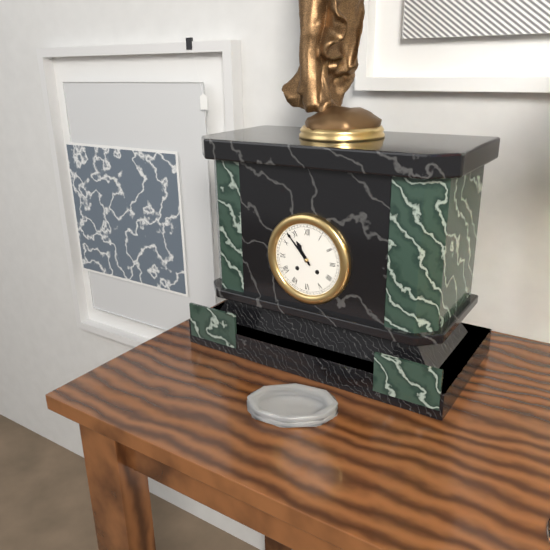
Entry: h=10 m=53
